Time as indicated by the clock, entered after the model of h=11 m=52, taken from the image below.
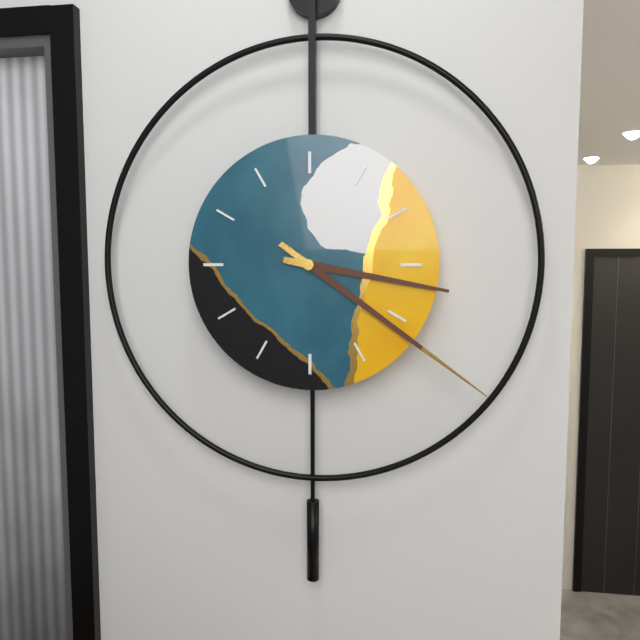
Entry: h=3 m=21
